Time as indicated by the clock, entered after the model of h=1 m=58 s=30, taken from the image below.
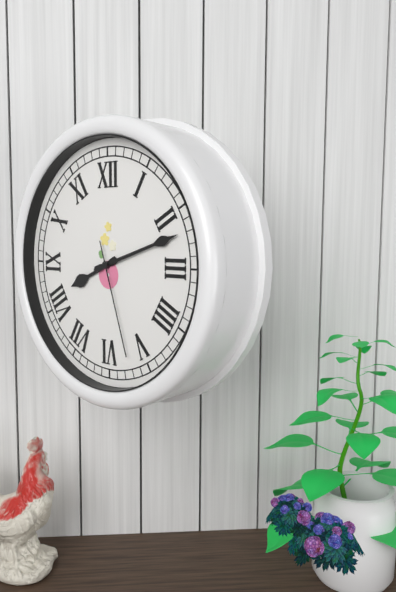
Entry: h=8 m=12 s=27
